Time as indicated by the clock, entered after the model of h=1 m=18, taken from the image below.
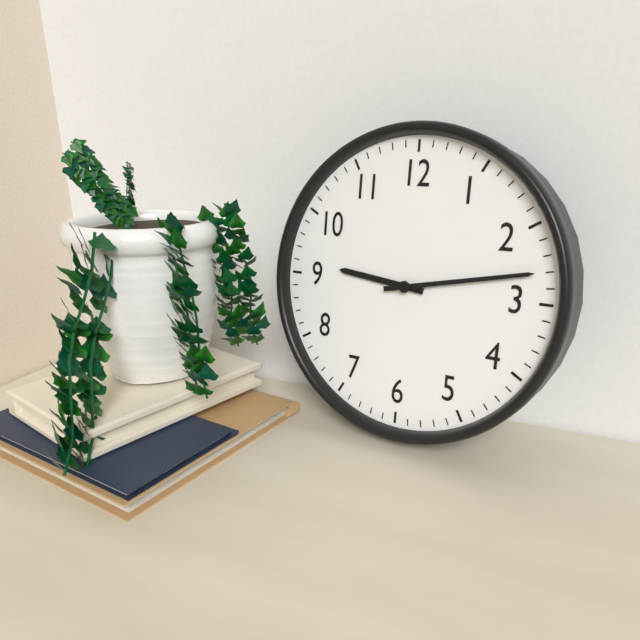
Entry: h=9 m=13
